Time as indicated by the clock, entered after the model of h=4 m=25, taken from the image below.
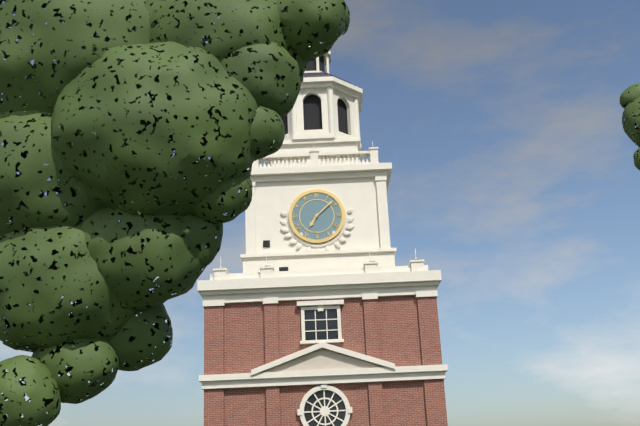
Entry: h=7 m=8
